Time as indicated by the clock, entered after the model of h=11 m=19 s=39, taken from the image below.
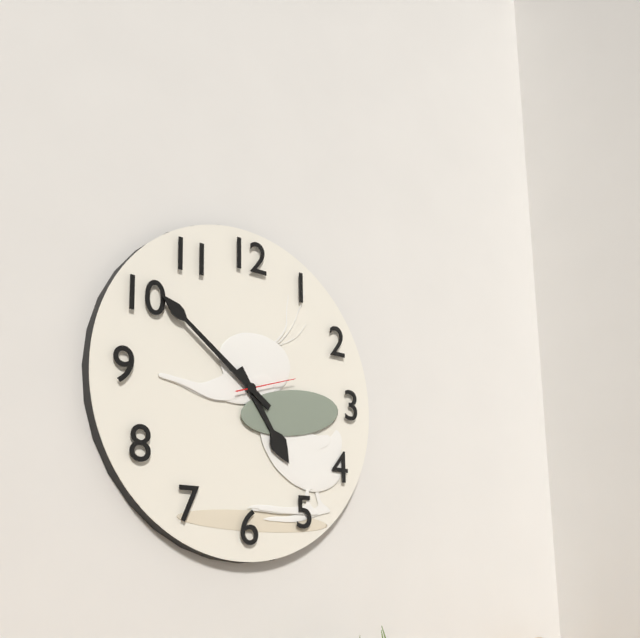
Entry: h=4 m=51 s=12
